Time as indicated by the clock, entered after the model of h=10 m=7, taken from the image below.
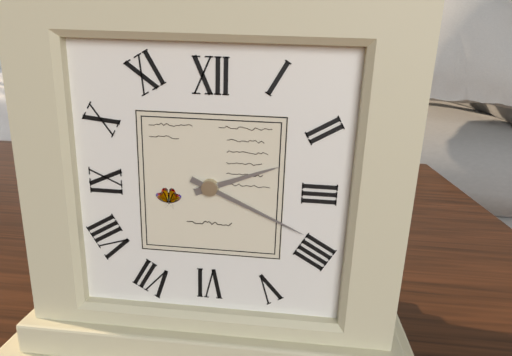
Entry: h=2 m=19
